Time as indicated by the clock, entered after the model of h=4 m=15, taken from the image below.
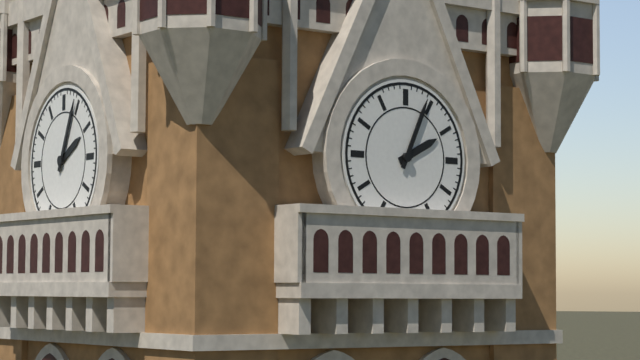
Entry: h=2 m=4
